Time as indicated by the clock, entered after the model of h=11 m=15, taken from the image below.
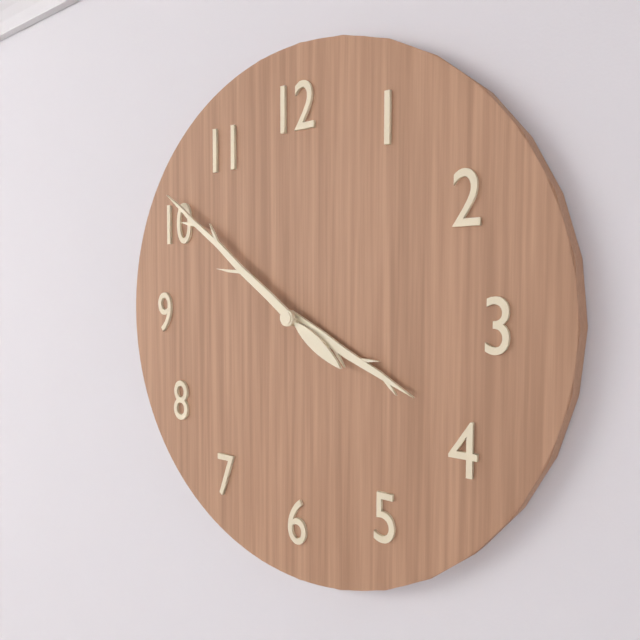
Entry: h=3 m=51
